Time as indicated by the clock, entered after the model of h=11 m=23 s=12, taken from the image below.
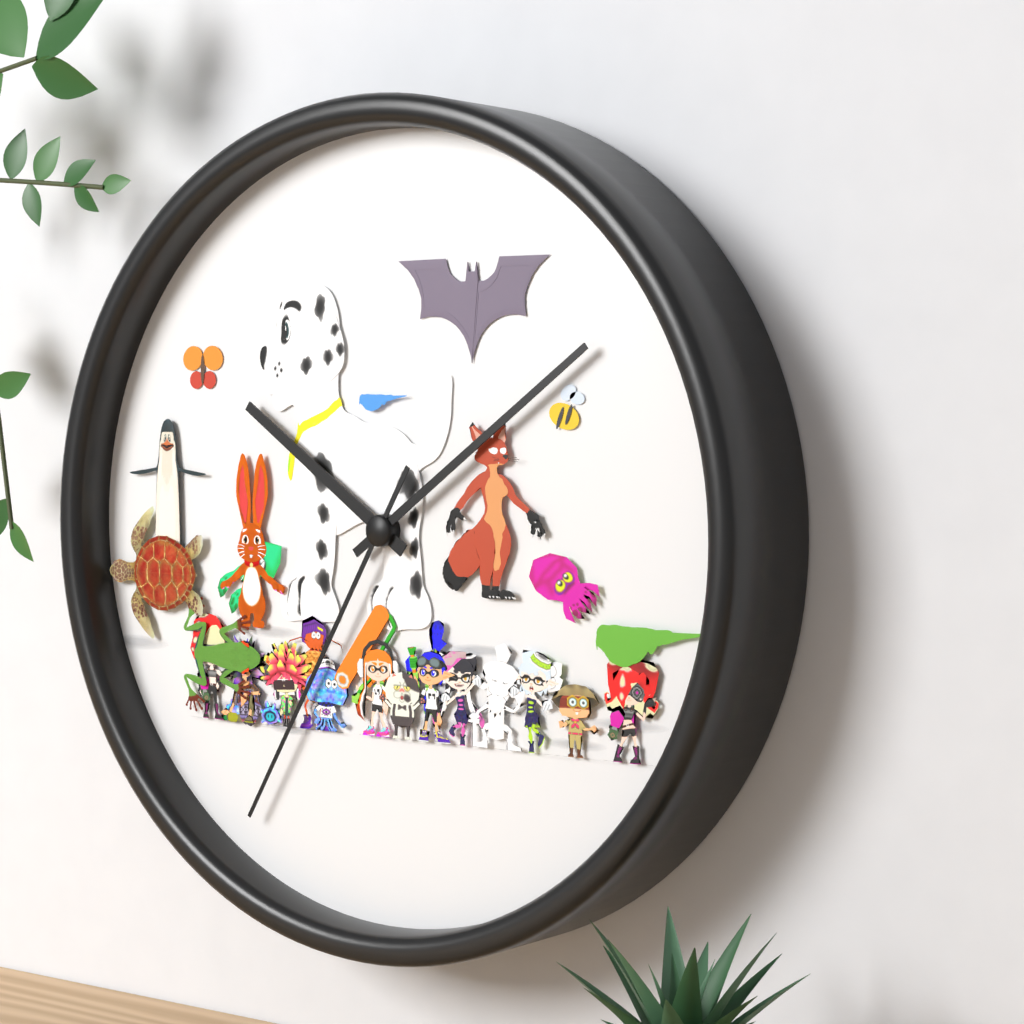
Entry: h=10 m=9 s=35
